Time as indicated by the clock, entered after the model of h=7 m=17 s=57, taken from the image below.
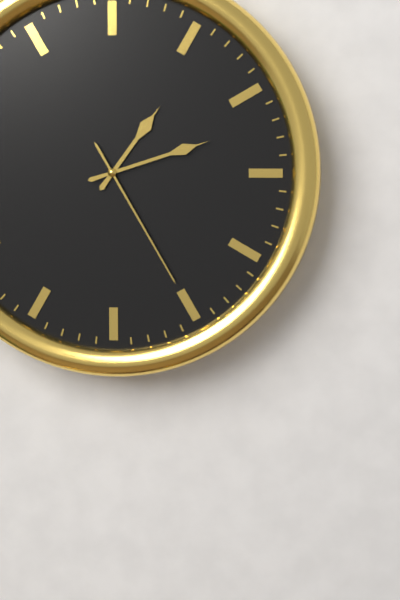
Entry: h=1 m=12 s=25
